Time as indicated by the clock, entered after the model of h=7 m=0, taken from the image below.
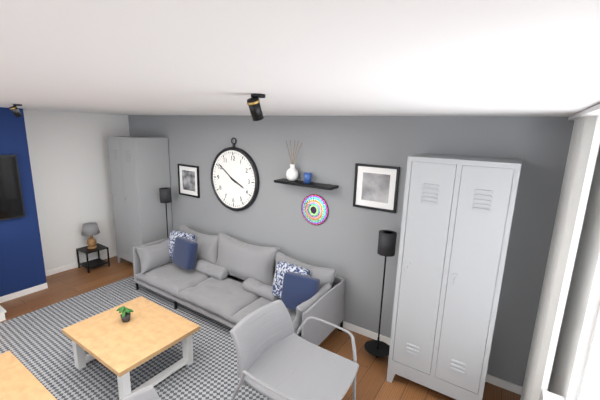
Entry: h=3 m=51
